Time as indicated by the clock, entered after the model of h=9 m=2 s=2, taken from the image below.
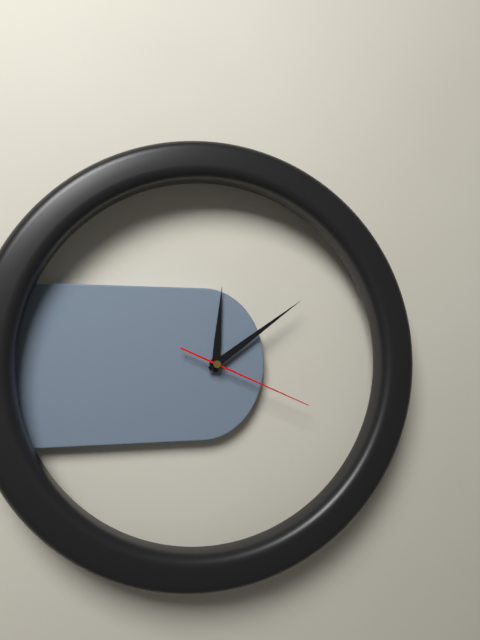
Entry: h=12 m=9 s=19
